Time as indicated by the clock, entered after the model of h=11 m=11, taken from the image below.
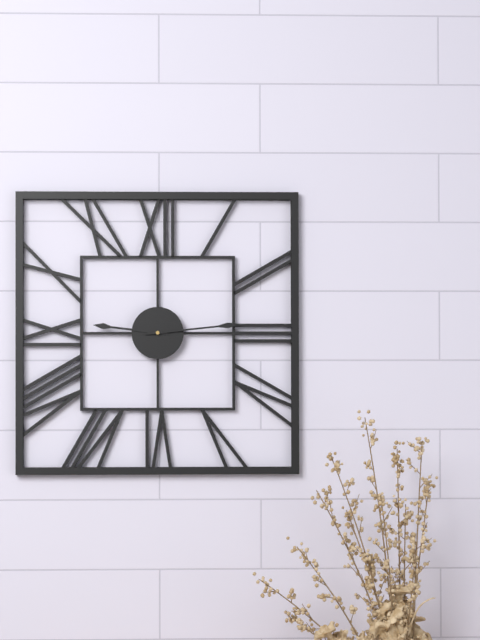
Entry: h=9 m=14
